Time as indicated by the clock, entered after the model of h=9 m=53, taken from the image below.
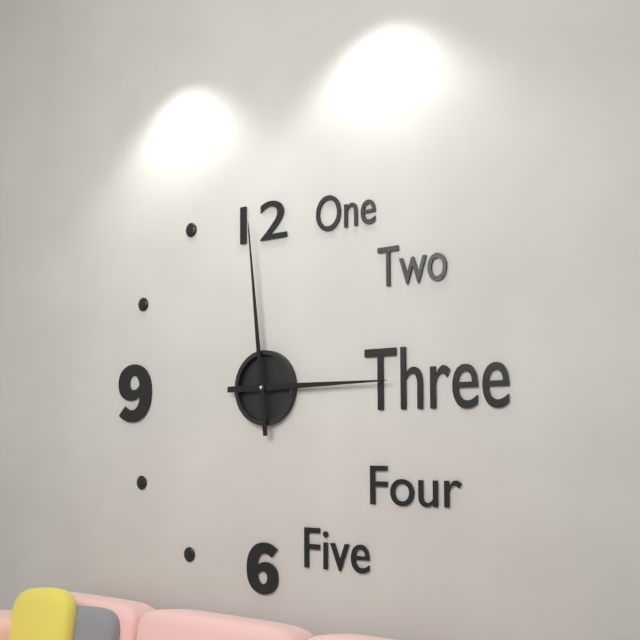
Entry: h=2 m=59
